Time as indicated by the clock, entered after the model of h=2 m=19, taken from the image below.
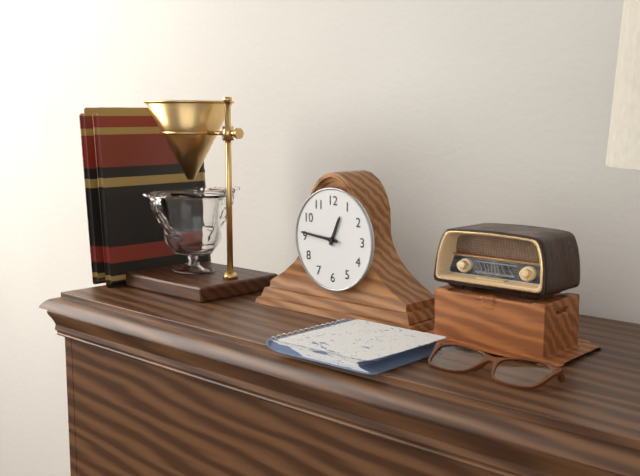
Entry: h=12 m=46
